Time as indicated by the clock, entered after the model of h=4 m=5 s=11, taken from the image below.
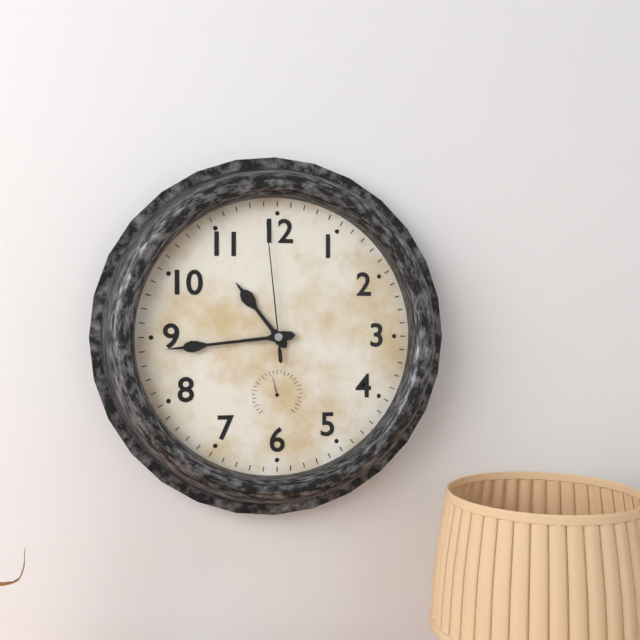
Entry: h=10 m=44 s=59
